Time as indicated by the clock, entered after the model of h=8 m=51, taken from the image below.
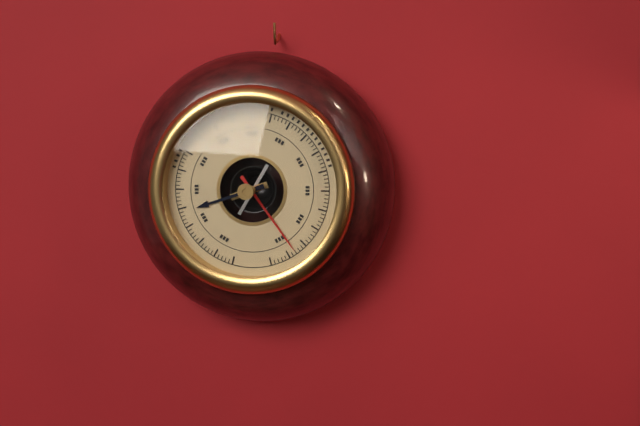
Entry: h=8 m=24
